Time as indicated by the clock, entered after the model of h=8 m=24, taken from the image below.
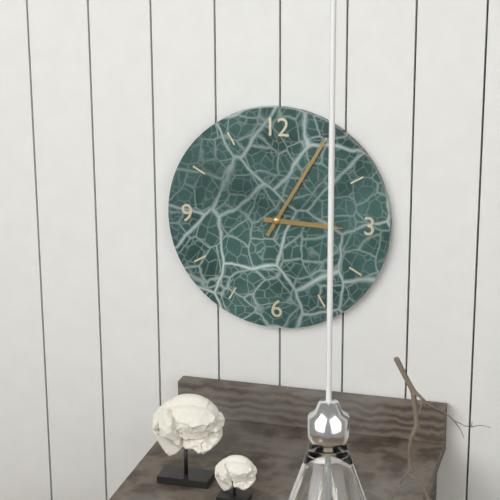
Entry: h=3 m=5
